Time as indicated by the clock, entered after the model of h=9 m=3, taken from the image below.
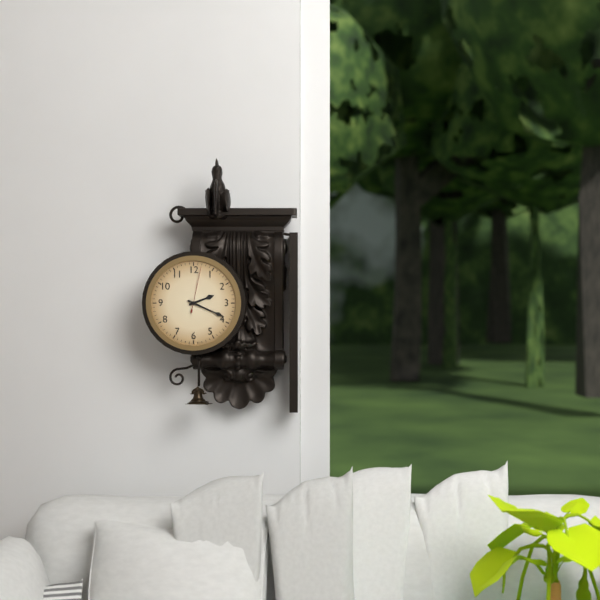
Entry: h=2 m=19
